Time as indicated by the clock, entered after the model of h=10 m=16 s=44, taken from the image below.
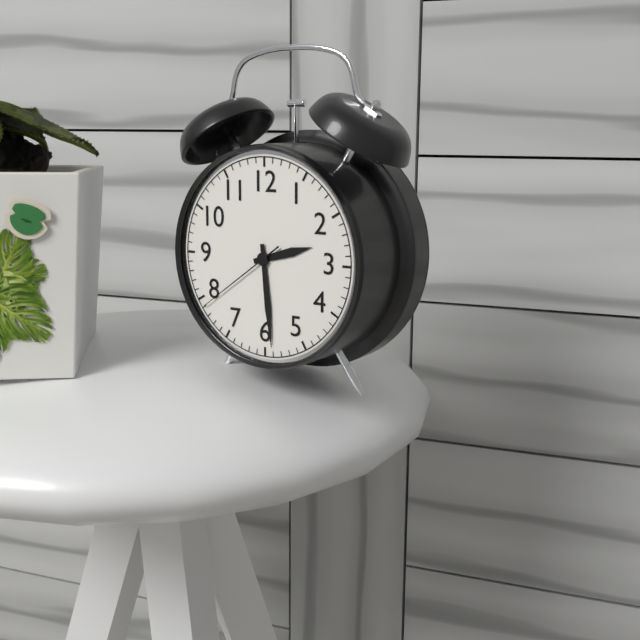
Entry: h=2 m=29 s=39
